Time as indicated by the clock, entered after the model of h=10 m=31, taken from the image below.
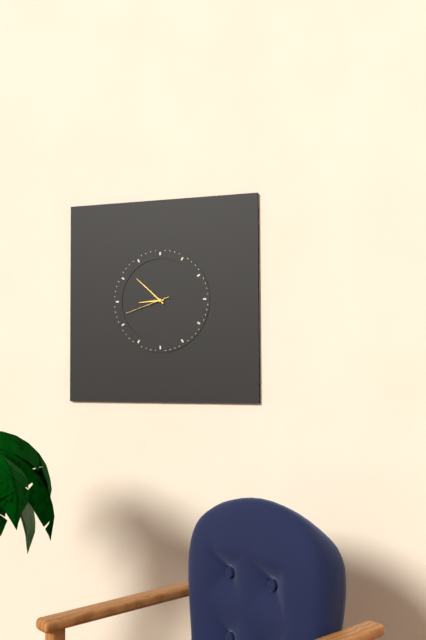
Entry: h=8 m=52
